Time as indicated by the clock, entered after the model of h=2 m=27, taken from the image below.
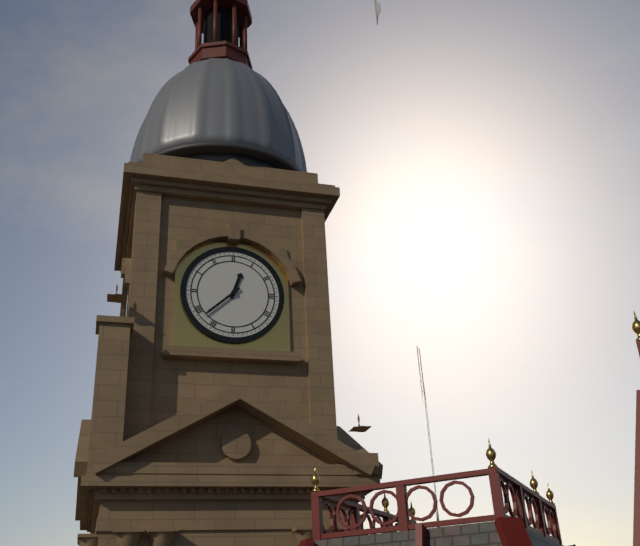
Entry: h=12 m=38
